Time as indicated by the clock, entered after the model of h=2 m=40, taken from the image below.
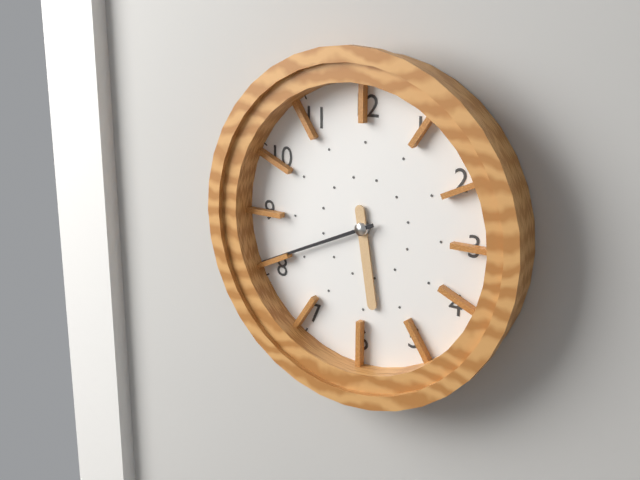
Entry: h=5 m=41
